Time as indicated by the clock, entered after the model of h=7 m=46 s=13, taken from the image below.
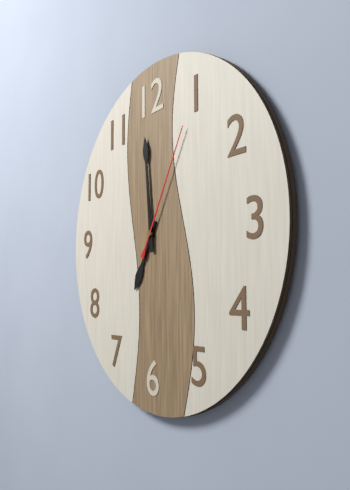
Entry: h=6 m=59 s=5
